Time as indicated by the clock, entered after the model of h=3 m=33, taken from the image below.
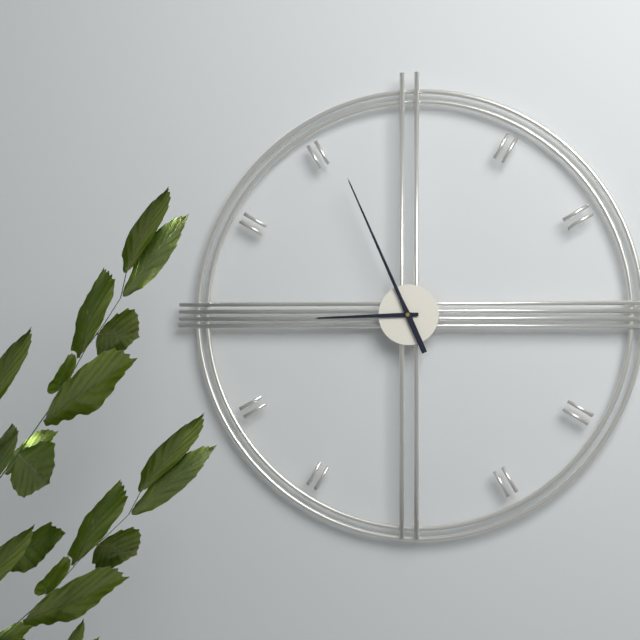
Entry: h=8 m=56
